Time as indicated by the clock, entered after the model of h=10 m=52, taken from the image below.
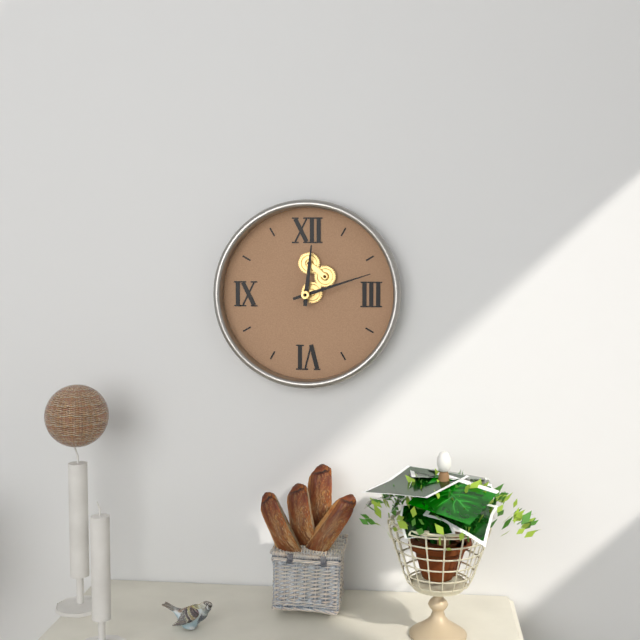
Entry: h=12 m=12
